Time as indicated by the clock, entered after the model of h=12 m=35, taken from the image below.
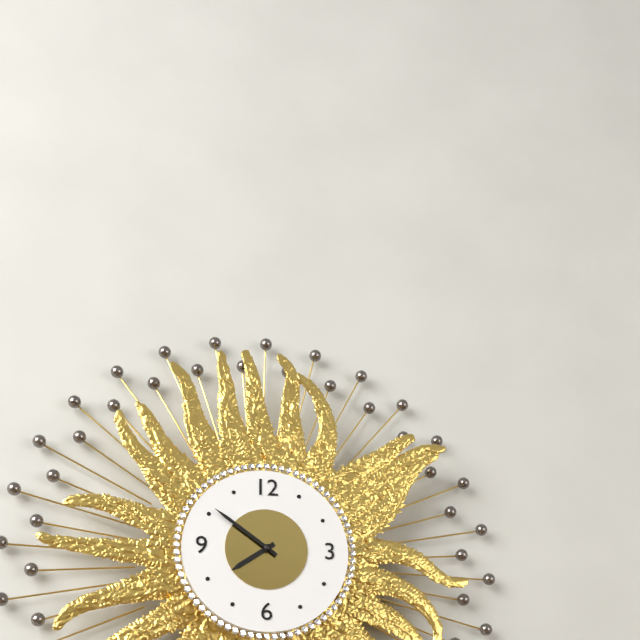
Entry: h=7 m=51
